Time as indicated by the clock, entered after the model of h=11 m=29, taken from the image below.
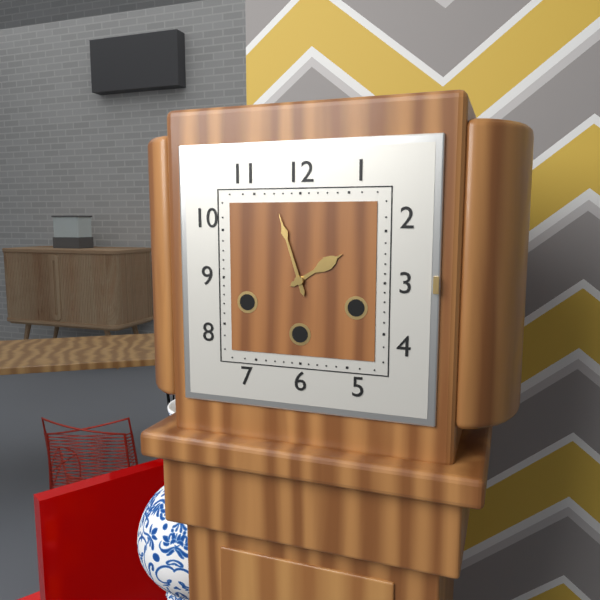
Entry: h=1 m=57
